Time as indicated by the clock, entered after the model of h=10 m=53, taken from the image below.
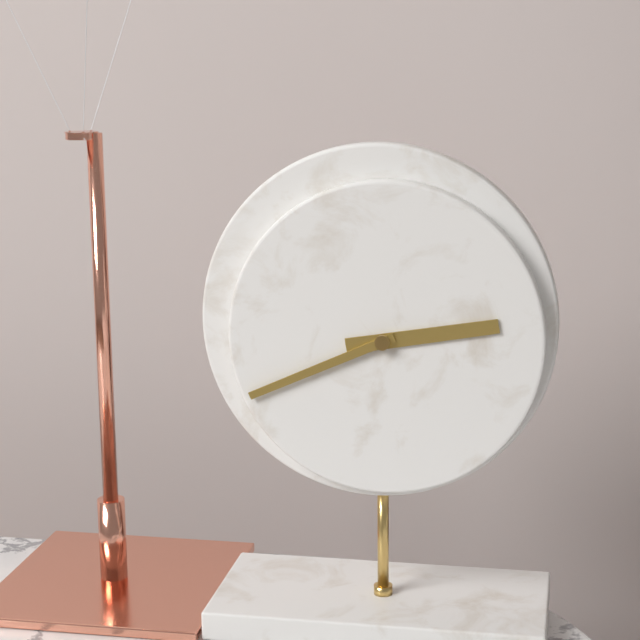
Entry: h=2 m=41
